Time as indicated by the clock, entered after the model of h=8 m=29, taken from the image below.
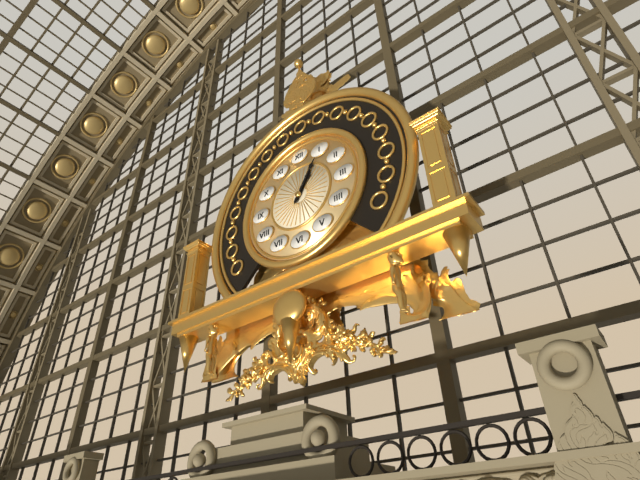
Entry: h=1 m=5
